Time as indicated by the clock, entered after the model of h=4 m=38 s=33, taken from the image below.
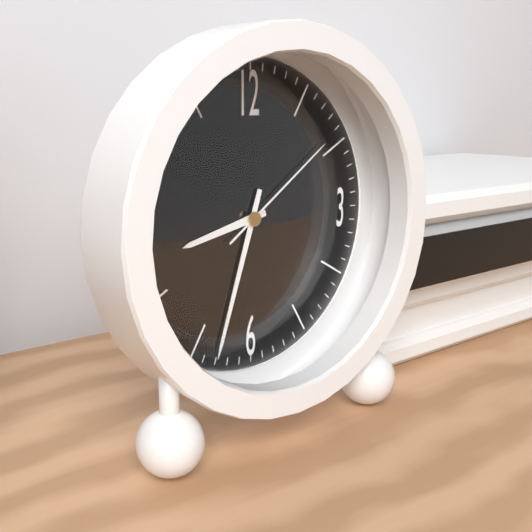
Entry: h=8 m=33 s=9
